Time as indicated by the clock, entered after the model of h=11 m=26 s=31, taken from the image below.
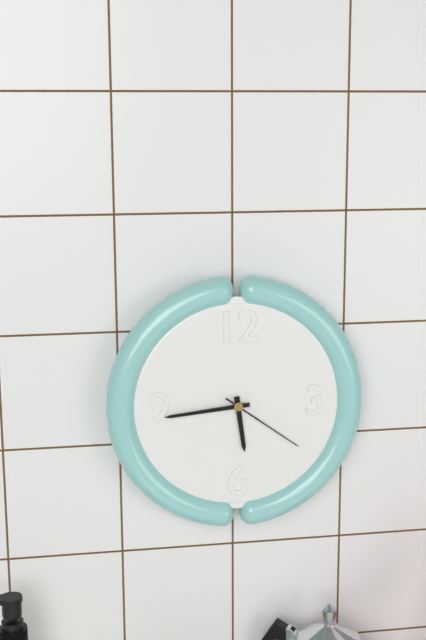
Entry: h=5 m=44 s=21
